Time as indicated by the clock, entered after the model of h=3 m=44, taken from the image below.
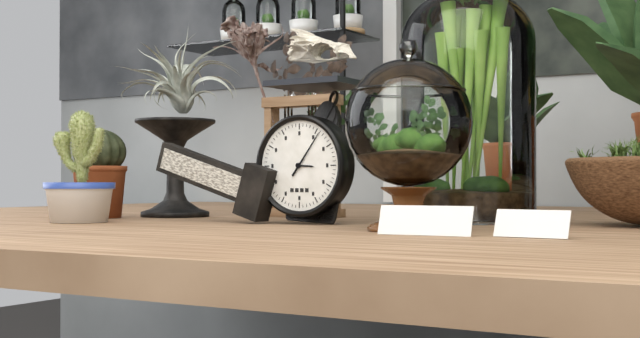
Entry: h=3 m=6
